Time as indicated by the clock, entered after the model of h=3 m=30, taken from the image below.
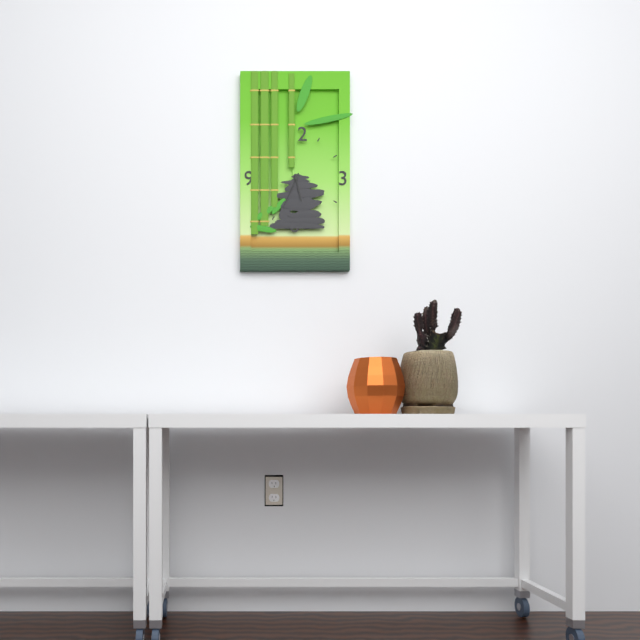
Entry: h=5 m=34
